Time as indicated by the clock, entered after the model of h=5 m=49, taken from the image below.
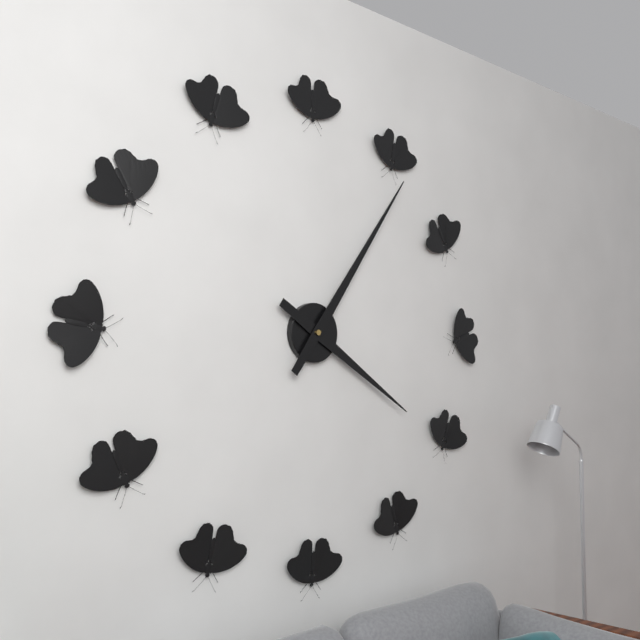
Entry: h=4 m=6
